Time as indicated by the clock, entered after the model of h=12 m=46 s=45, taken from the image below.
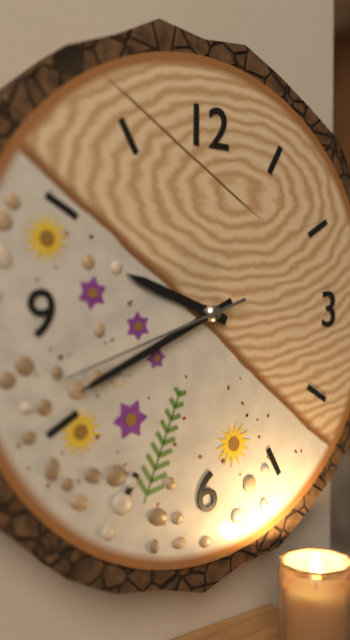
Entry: h=9 m=41 s=42
